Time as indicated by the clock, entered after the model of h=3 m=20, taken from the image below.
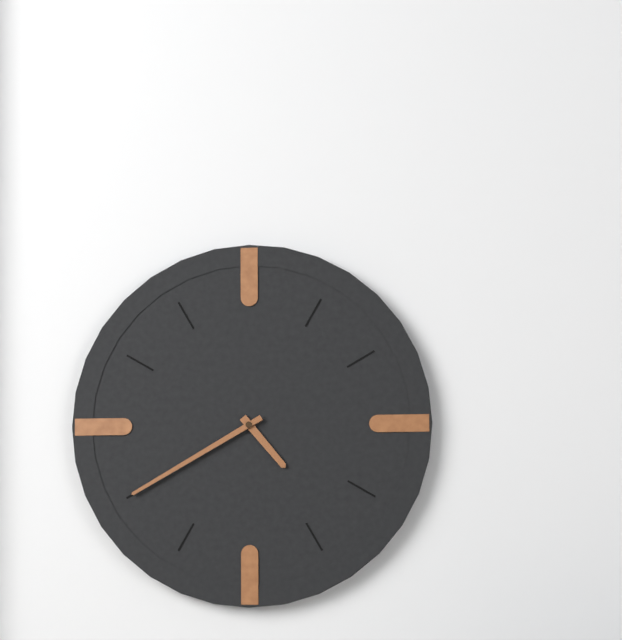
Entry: h=4 m=40
